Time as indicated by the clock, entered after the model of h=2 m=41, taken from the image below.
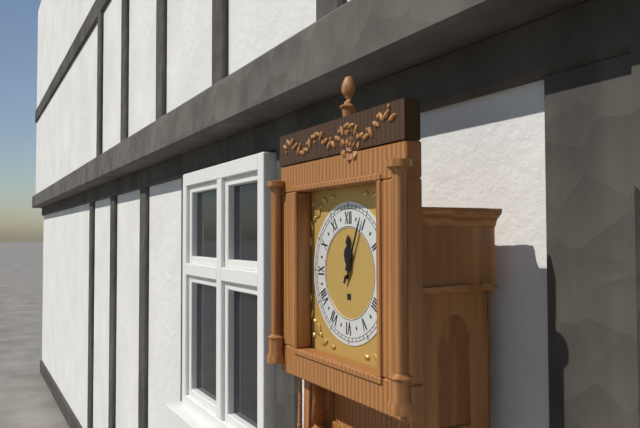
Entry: h=12 m=4
